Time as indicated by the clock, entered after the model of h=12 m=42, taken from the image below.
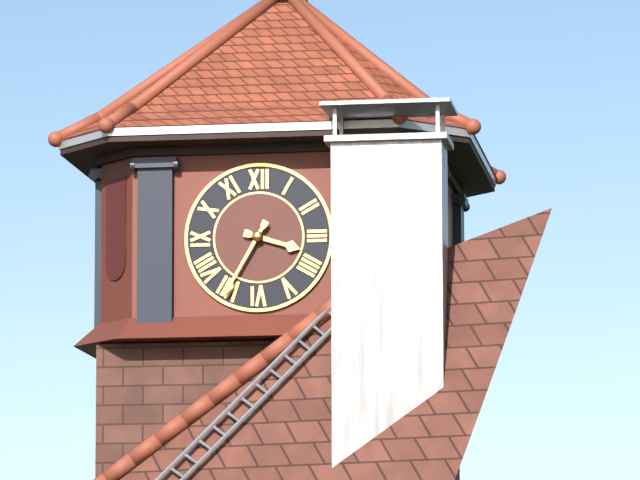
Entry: h=3 m=35
